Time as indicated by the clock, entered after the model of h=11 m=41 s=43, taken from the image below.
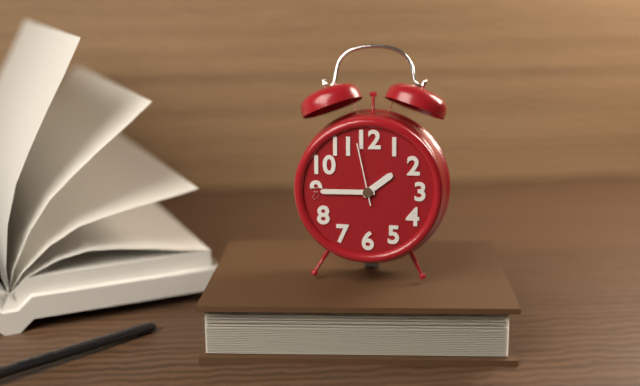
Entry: h=1 m=45 s=58
